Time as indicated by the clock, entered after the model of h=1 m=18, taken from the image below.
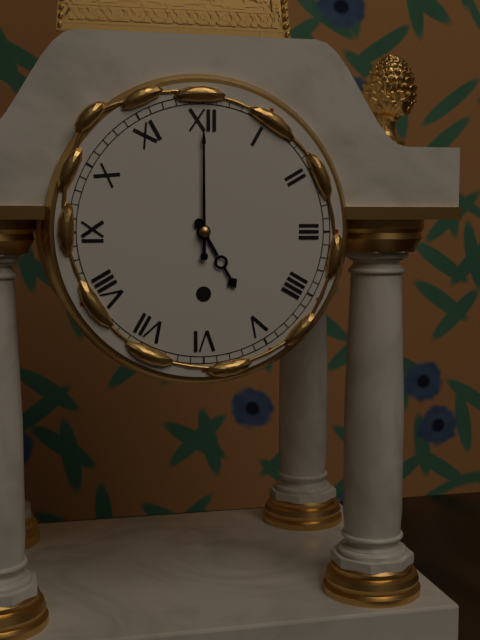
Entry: h=5 m=0
